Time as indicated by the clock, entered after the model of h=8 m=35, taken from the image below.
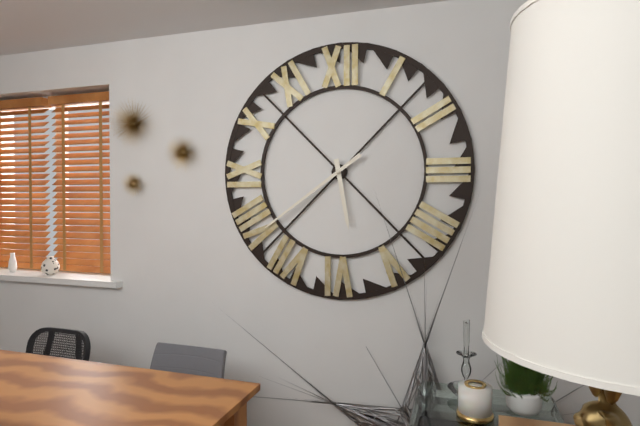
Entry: h=5 m=39
